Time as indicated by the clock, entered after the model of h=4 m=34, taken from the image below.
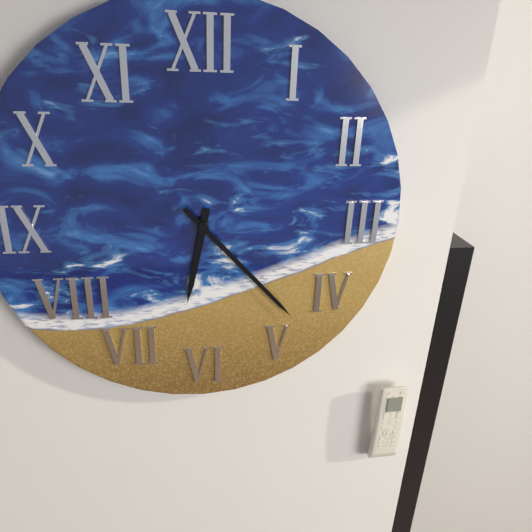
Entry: h=6 m=23
